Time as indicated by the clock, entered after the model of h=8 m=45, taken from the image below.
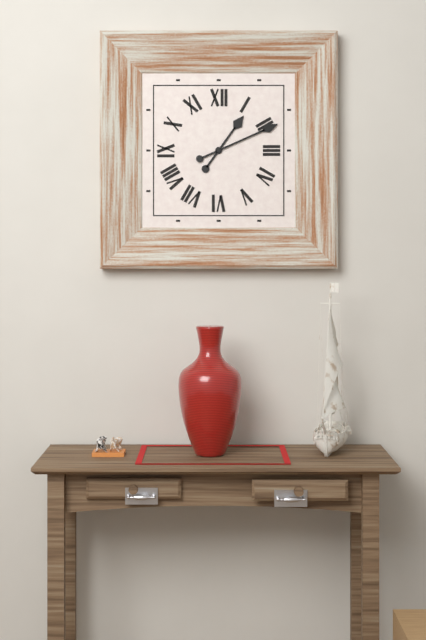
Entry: h=1 m=11
